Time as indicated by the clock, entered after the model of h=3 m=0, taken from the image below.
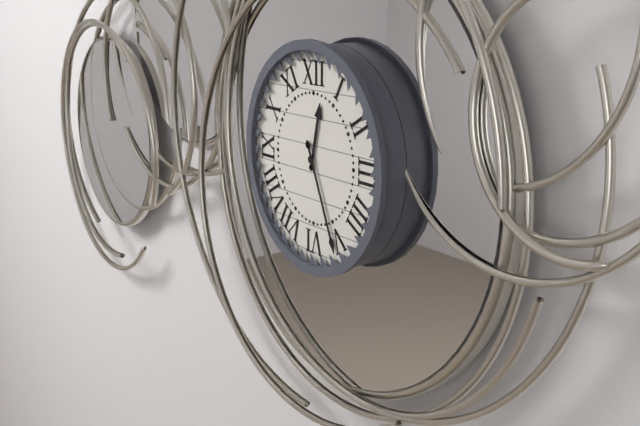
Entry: h=12 m=26
